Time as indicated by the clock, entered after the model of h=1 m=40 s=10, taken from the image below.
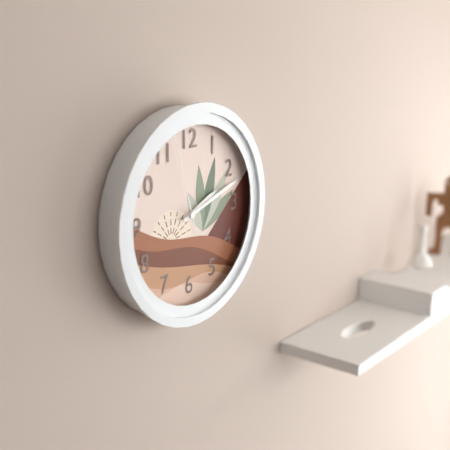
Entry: h=2 m=12 s=57
